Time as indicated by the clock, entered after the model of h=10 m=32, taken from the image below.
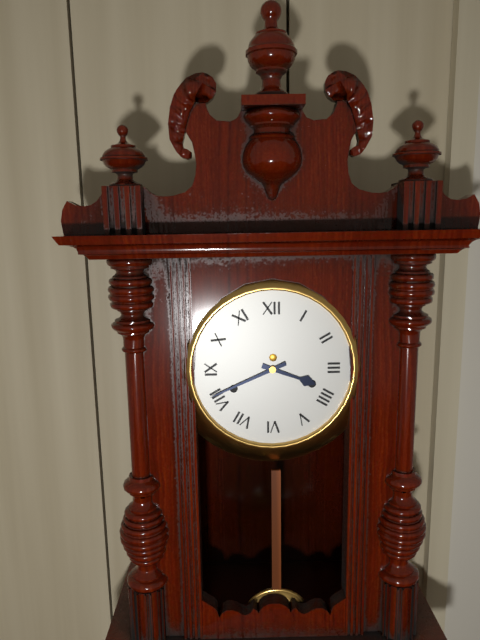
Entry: h=3 m=41
